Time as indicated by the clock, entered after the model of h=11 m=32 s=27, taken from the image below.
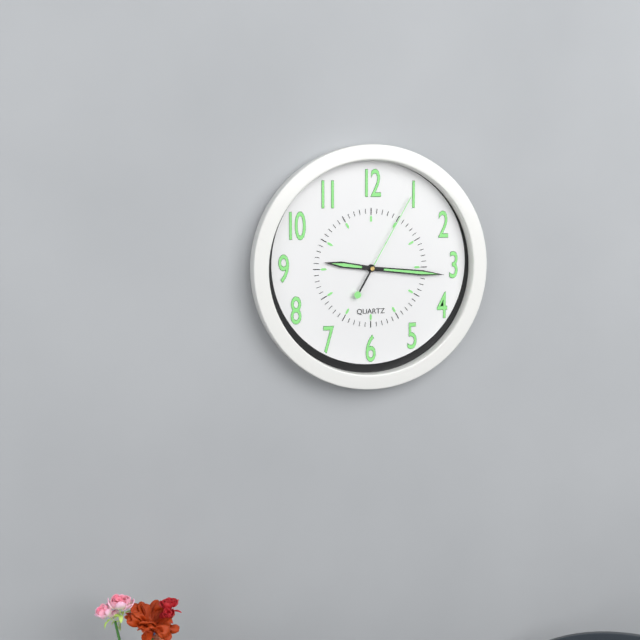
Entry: h=9 m=16 s=5
